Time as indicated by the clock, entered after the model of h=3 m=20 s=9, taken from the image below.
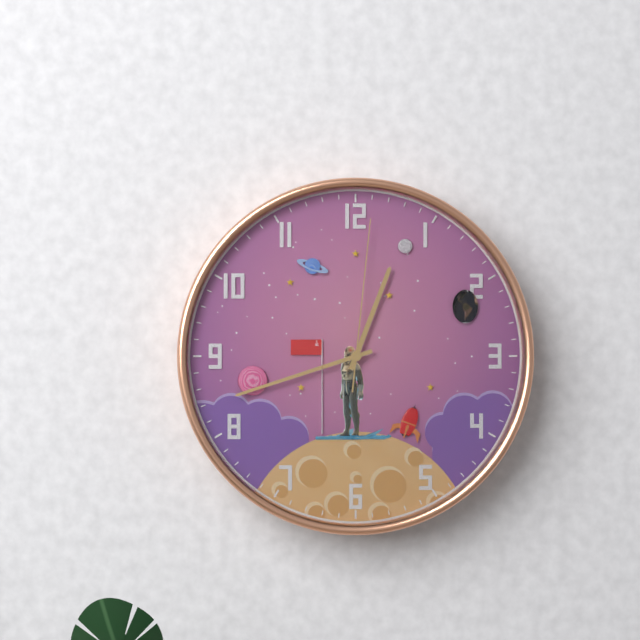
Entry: h=12 m=42 s=1
